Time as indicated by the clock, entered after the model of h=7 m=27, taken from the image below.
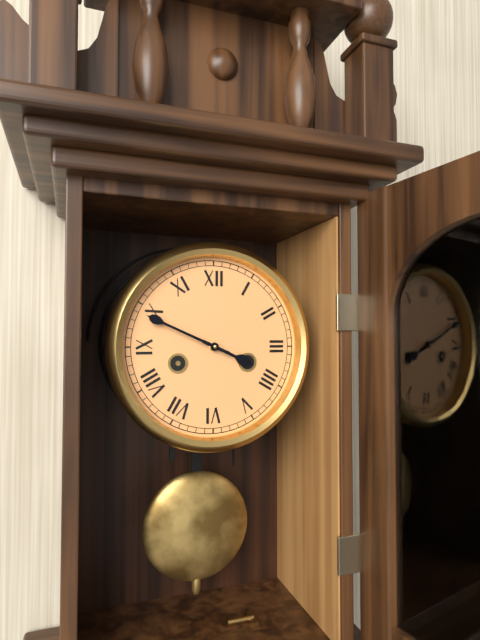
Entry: h=3 m=49
